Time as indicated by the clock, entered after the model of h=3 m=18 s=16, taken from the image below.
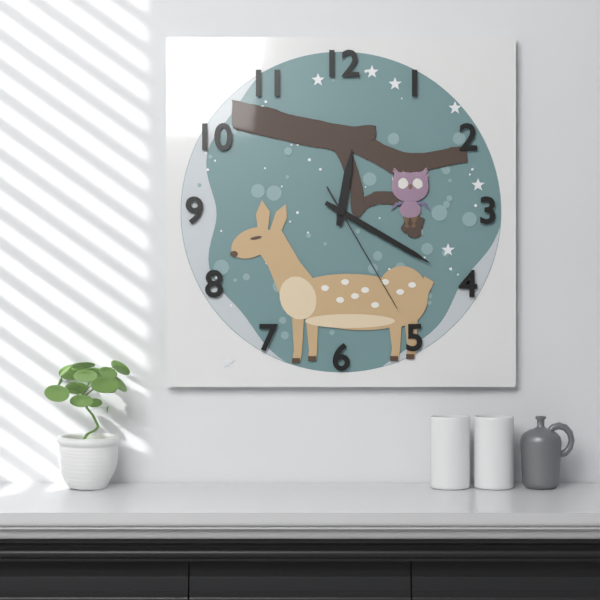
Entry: h=12 m=20 s=25
